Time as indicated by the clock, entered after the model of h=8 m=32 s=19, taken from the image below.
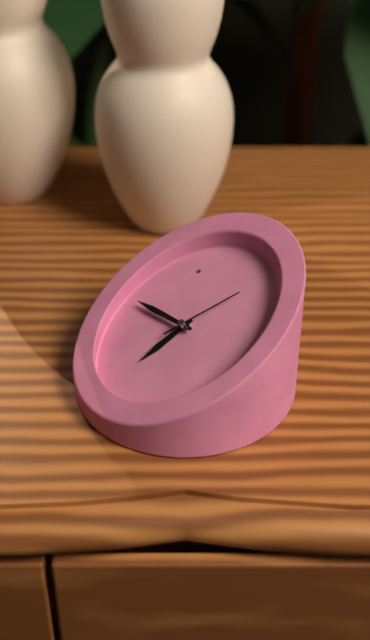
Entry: h=8 m=57 s=17
